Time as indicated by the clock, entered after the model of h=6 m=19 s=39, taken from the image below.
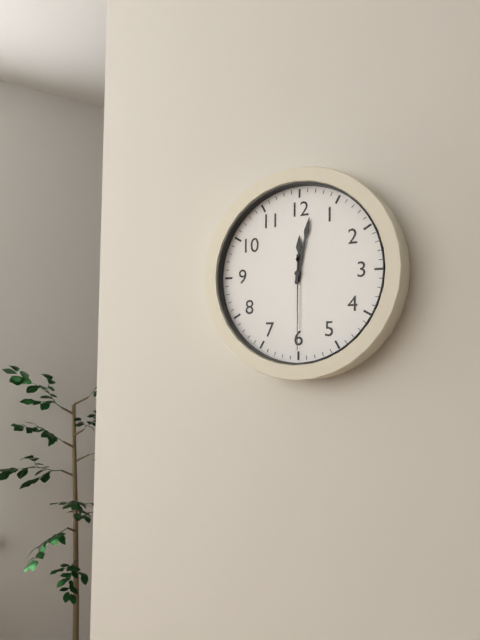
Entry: h=12 m=2 s=30
